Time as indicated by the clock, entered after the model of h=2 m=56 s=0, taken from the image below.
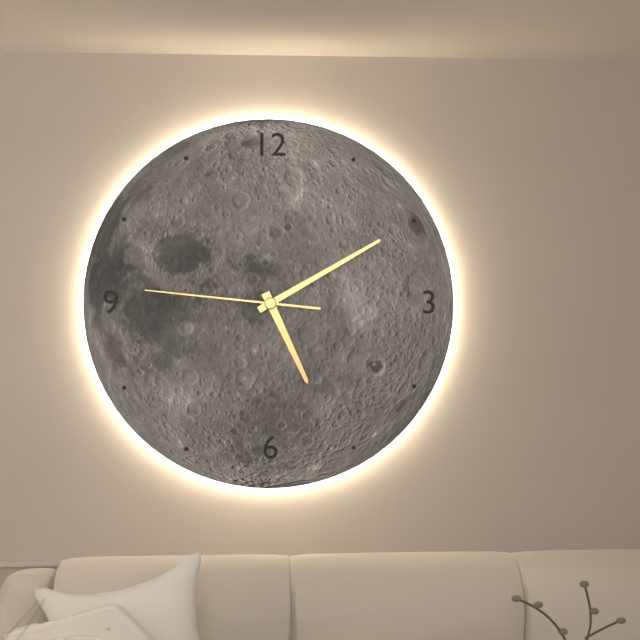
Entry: h=5 m=10 s=46
